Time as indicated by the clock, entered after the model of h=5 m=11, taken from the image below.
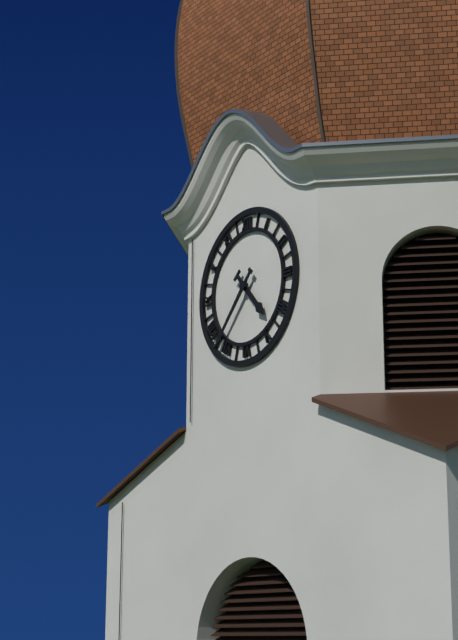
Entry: h=4 m=37
